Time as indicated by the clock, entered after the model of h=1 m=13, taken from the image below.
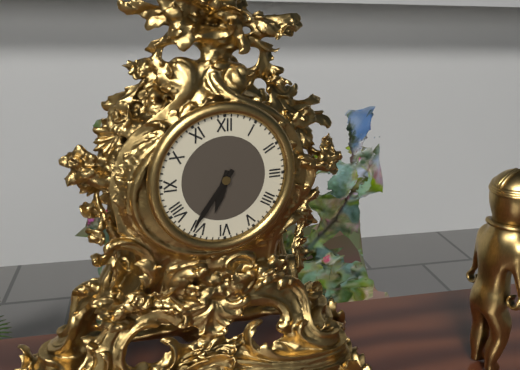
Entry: h=6 m=36
